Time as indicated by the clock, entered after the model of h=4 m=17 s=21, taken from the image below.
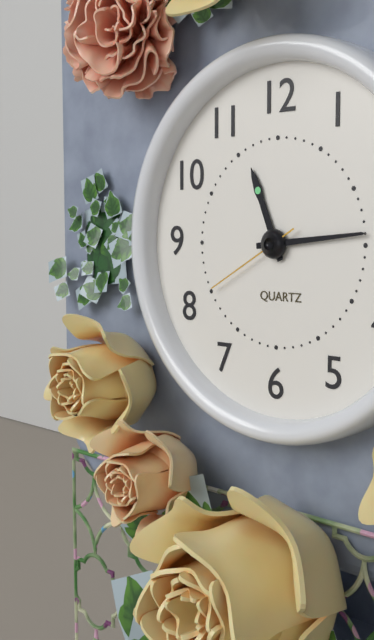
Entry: h=11 m=14 s=40
